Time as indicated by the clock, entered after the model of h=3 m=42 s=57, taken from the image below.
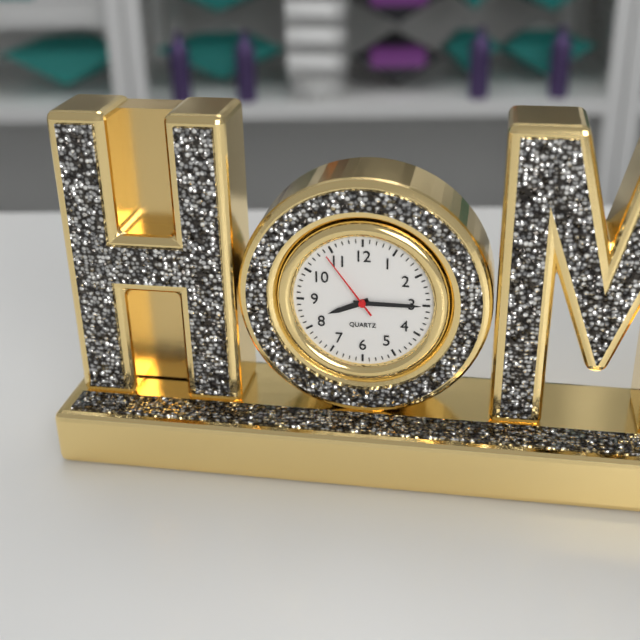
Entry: h=8 m=15 s=54
